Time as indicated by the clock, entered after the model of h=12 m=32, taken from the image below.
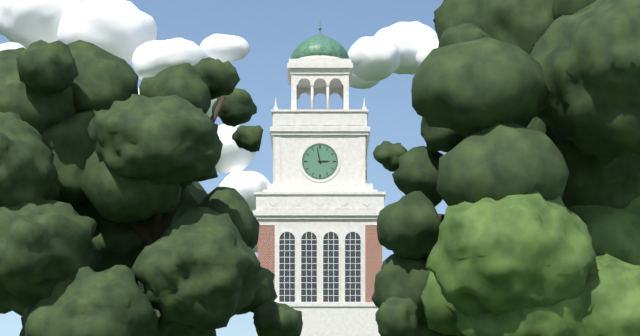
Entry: h=2 m=58
